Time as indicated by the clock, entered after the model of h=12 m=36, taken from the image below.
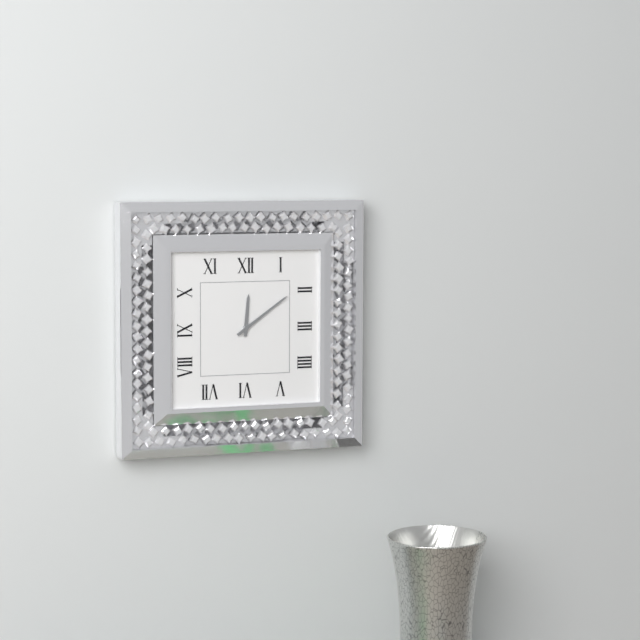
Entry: h=12 m=9
